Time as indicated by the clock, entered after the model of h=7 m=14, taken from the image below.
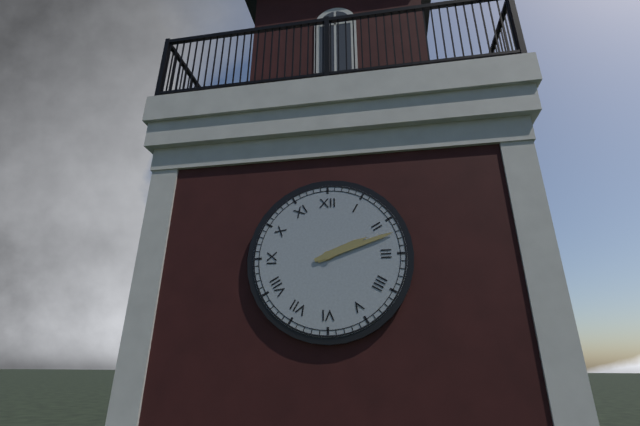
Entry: h=2 m=12
